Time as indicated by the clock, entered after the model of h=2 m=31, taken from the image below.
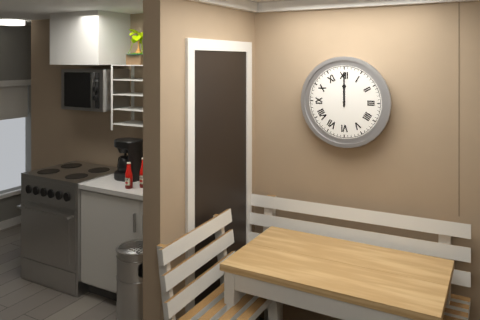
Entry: h=12 m=0
